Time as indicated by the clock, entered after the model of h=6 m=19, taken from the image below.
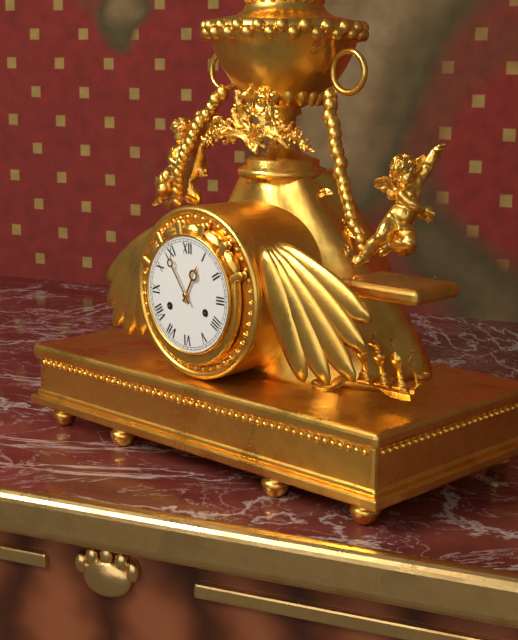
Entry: h=12 m=54
